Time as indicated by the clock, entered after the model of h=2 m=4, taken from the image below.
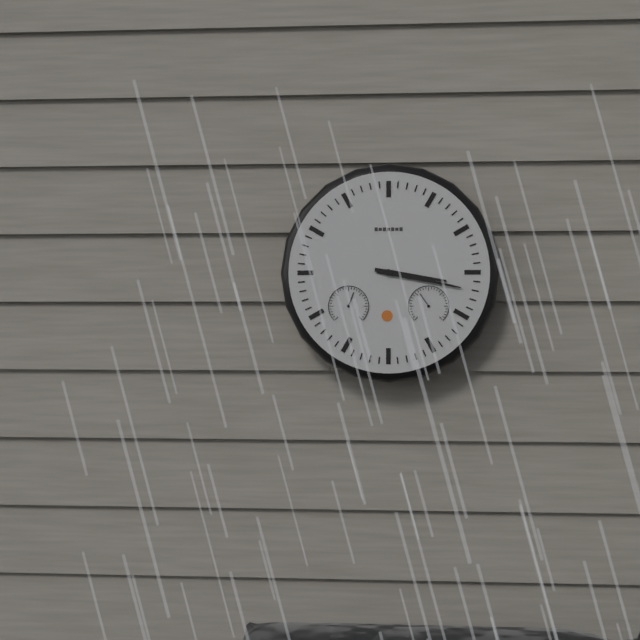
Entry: h=3 m=17
